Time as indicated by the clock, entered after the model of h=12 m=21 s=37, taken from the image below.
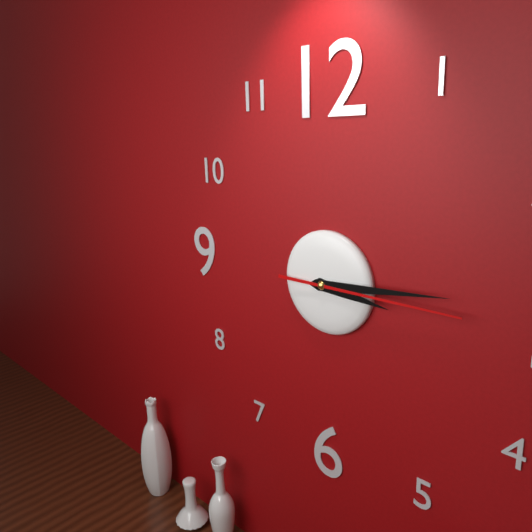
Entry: h=3 m=14 s=15
